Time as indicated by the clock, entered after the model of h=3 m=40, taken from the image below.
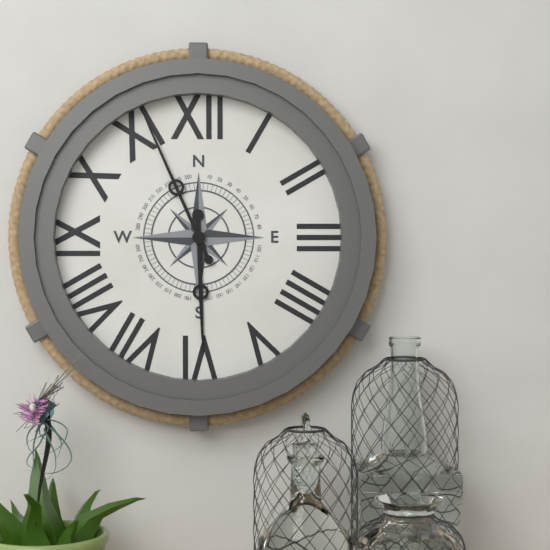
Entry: h=5 m=56
